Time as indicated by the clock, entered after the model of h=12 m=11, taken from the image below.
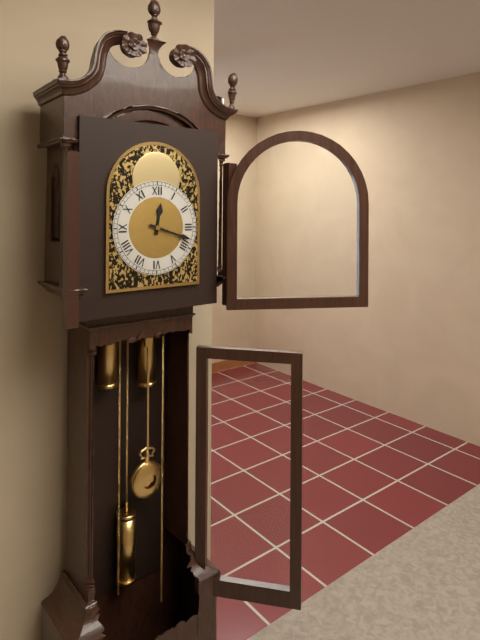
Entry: h=12 m=18
